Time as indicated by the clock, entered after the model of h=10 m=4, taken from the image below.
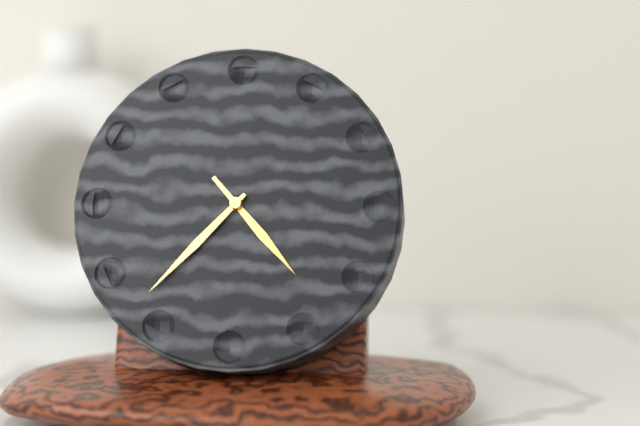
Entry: h=4 m=37
